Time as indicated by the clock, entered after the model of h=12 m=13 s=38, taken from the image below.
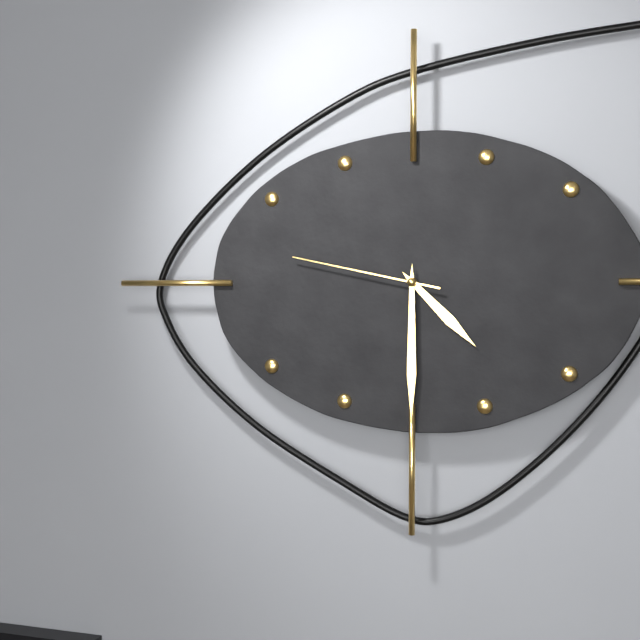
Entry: h=4 m=30 s=47
